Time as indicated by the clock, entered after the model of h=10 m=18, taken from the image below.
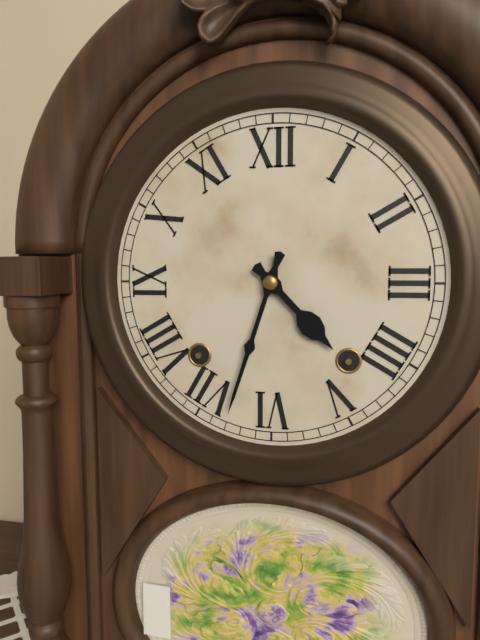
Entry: h=4 m=33
